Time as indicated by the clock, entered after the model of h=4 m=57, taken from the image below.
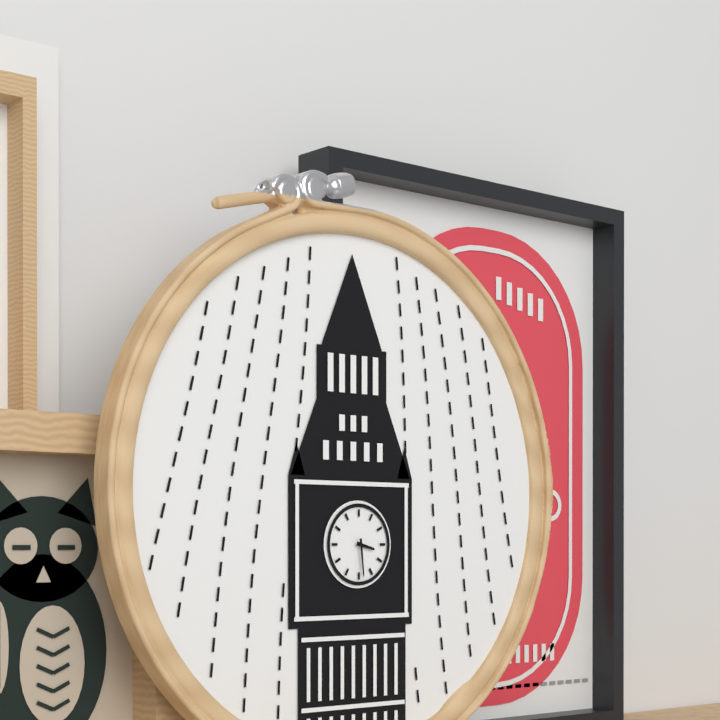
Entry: h=3 m=29
